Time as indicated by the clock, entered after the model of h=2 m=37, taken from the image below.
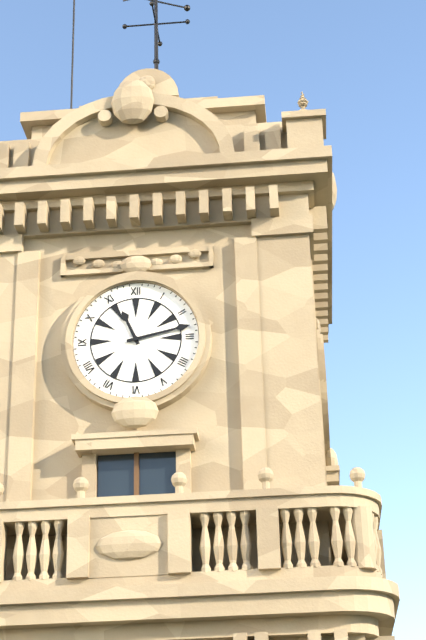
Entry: h=11 m=13
